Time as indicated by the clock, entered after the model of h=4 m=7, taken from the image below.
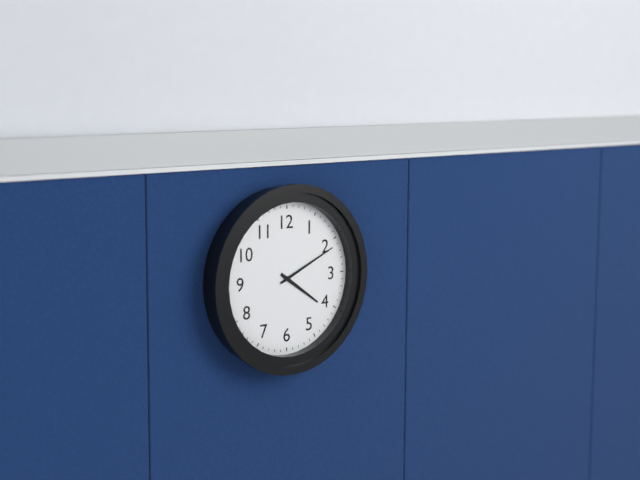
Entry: h=4 m=11
